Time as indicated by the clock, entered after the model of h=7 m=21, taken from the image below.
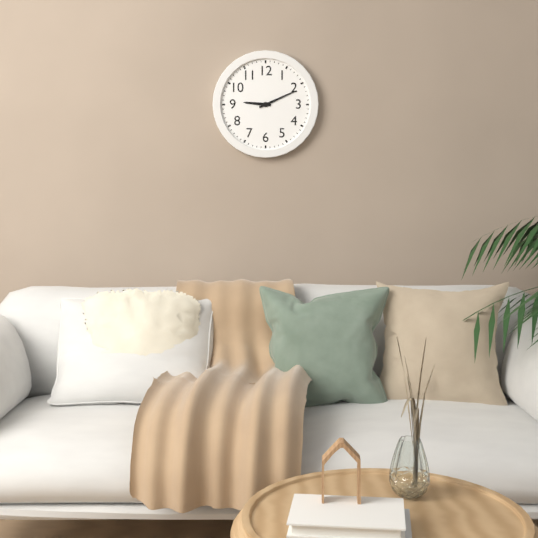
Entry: h=9 m=11
